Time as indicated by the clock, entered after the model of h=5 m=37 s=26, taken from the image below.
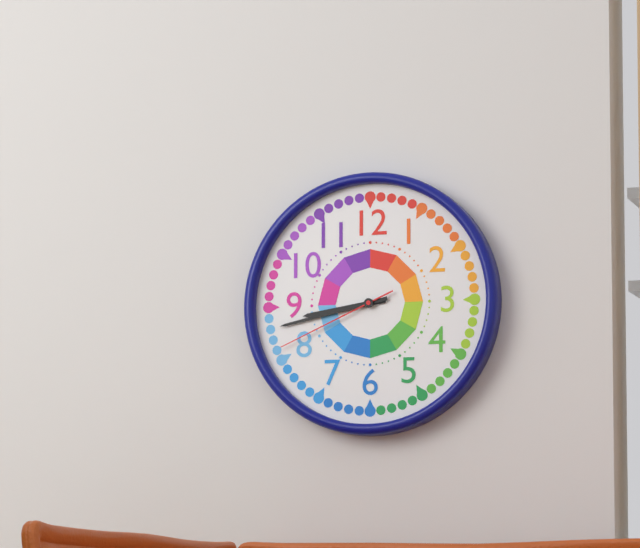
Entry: h=8 m=43 s=41
